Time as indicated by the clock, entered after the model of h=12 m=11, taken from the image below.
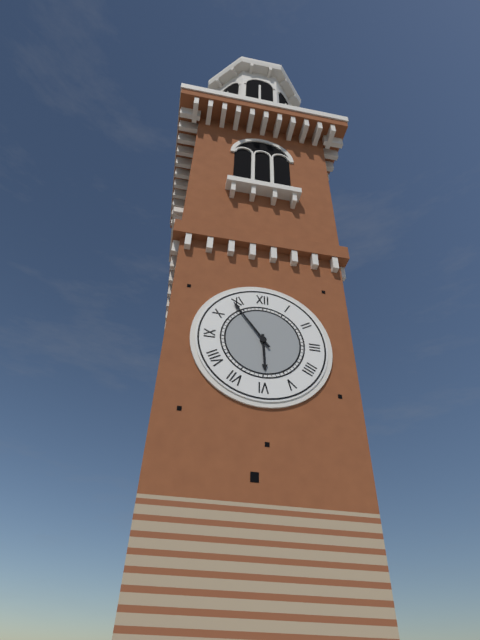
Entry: h=5 m=54
